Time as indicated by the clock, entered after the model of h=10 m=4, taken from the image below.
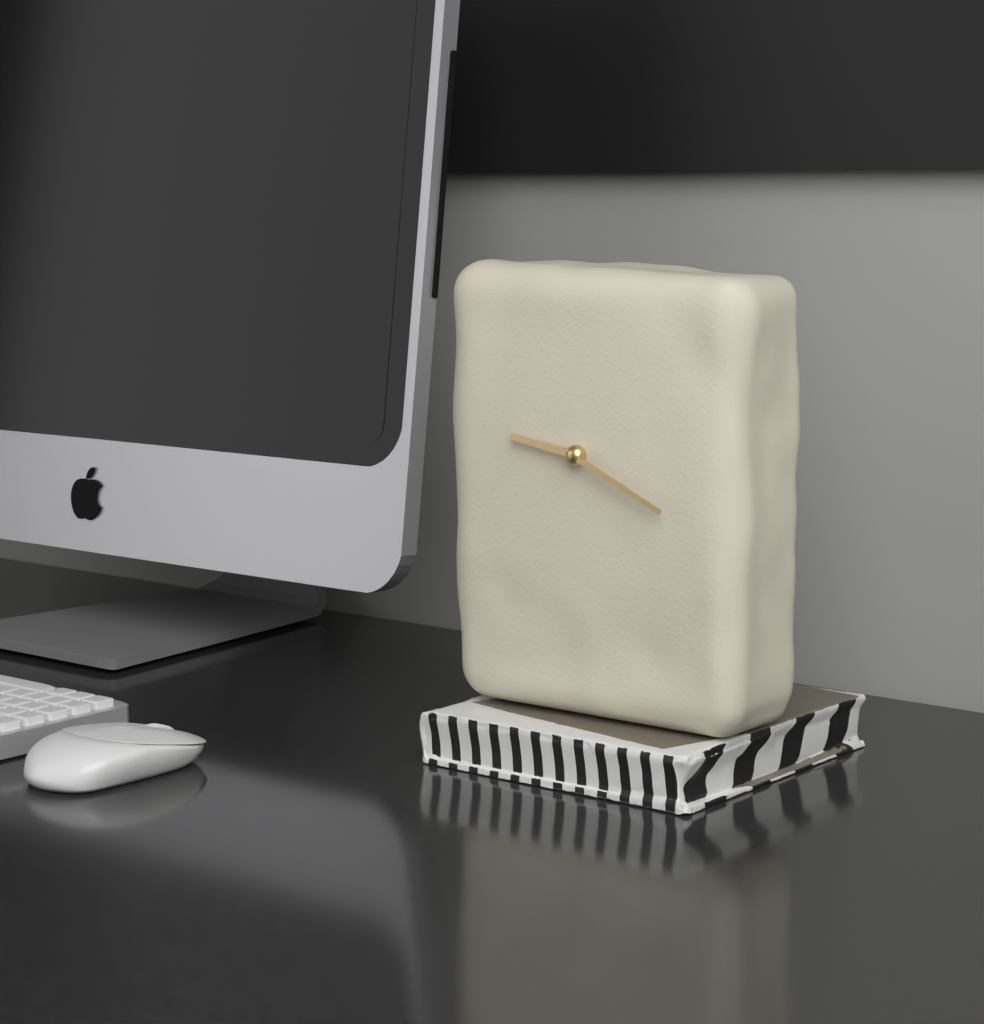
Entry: h=9 m=19
